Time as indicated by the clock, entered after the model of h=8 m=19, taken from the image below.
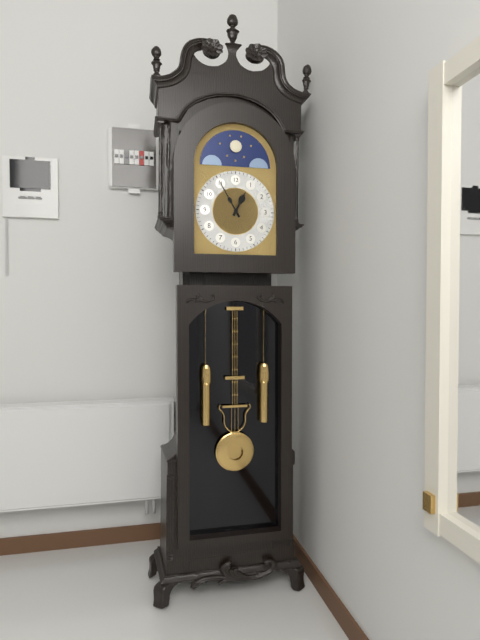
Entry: h=12 m=55
